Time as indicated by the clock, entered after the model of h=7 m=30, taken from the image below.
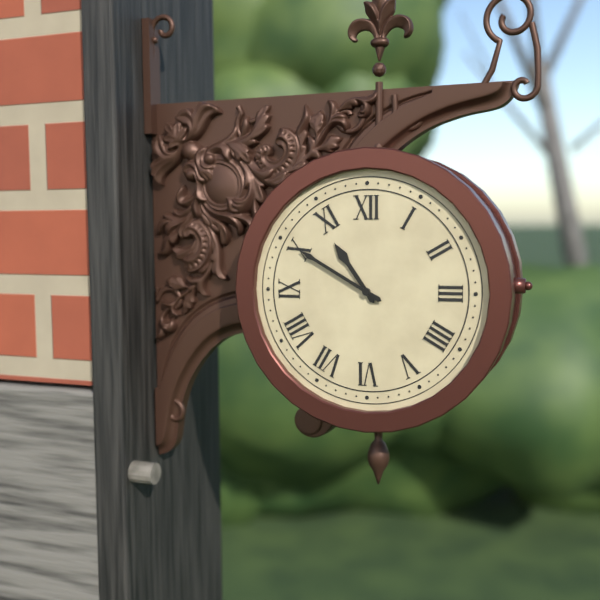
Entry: h=10 m=50
